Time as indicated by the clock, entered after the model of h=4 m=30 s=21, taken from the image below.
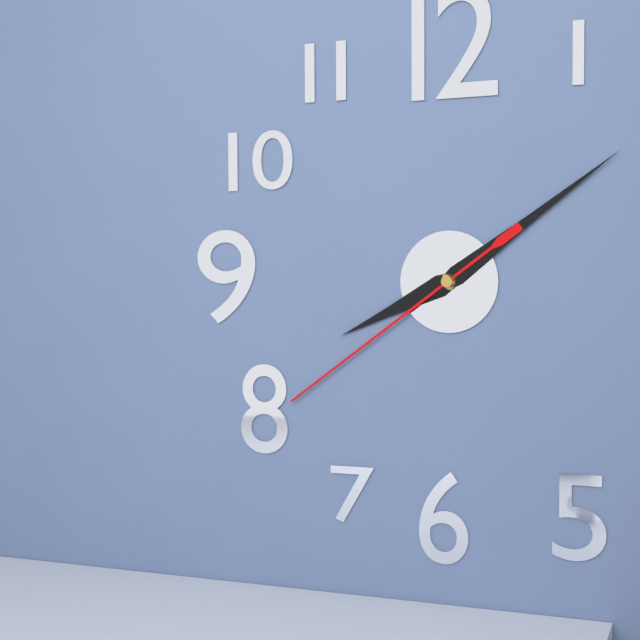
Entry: h=8 m=9 s=39
